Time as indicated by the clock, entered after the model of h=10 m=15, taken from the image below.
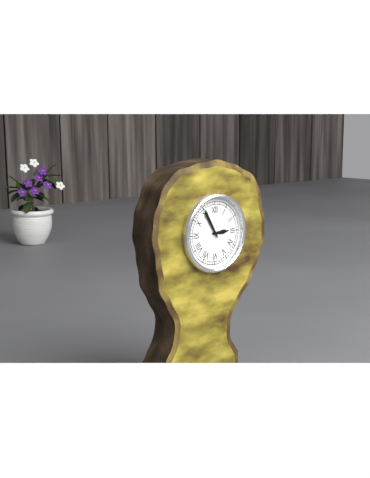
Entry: h=2 m=55
